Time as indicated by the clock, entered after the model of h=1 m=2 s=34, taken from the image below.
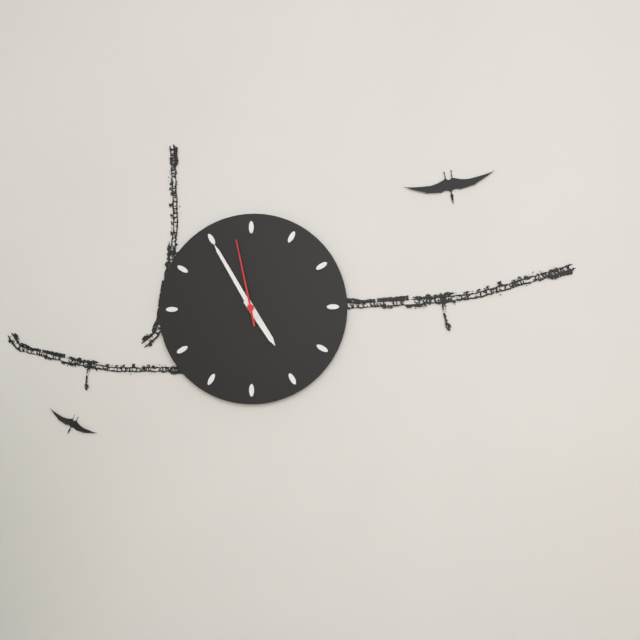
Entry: h=4 m=55 s=58
